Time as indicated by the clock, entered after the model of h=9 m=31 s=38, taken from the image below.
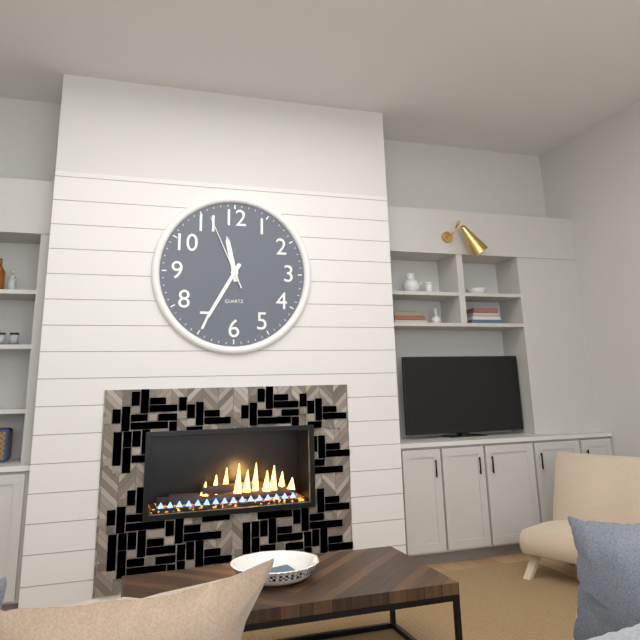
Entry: h=11 m=35 s=56
